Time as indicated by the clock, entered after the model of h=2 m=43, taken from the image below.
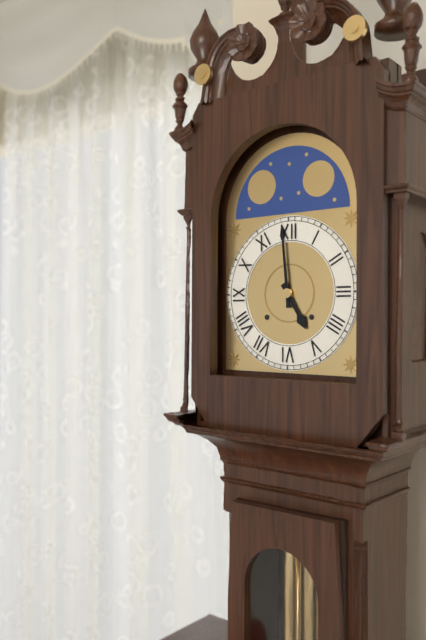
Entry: h=4 m=59
